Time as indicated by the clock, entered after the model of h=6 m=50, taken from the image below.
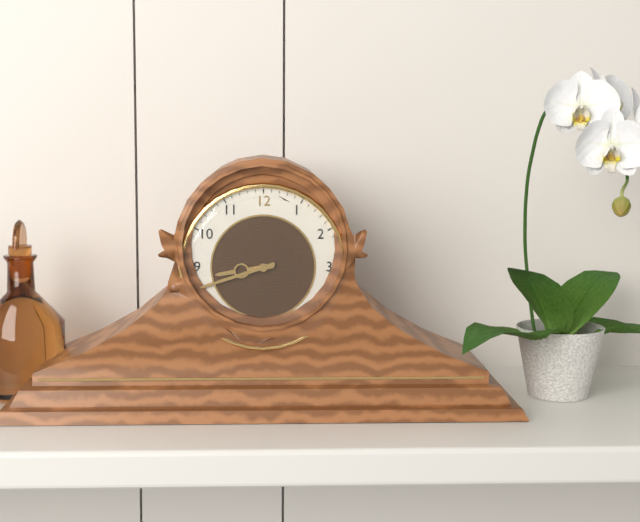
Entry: h=8 m=42
